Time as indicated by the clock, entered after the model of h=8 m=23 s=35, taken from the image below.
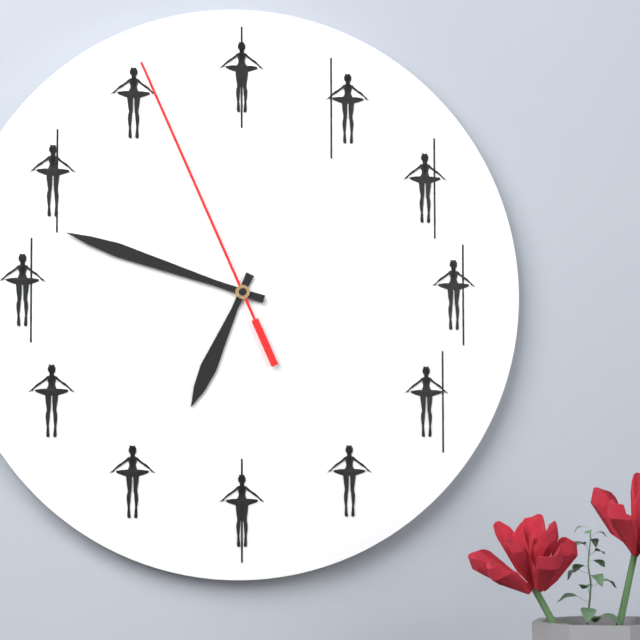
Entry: h=6 m=48 s=56
